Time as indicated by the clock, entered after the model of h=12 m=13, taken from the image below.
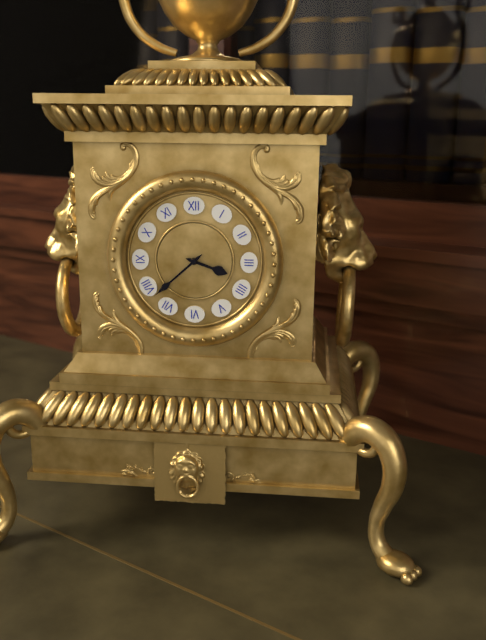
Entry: h=3 m=38
